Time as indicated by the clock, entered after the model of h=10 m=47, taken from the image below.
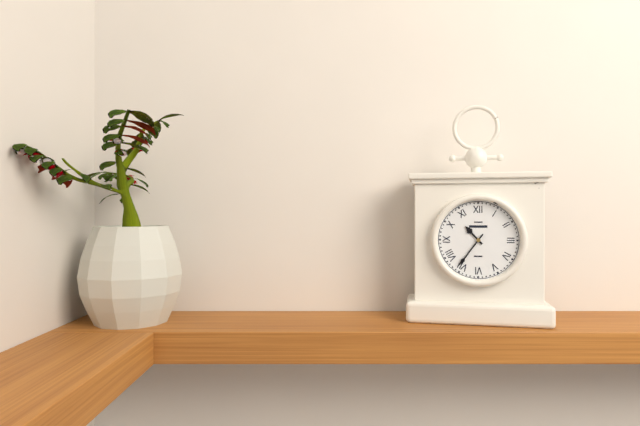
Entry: h=10 m=36
